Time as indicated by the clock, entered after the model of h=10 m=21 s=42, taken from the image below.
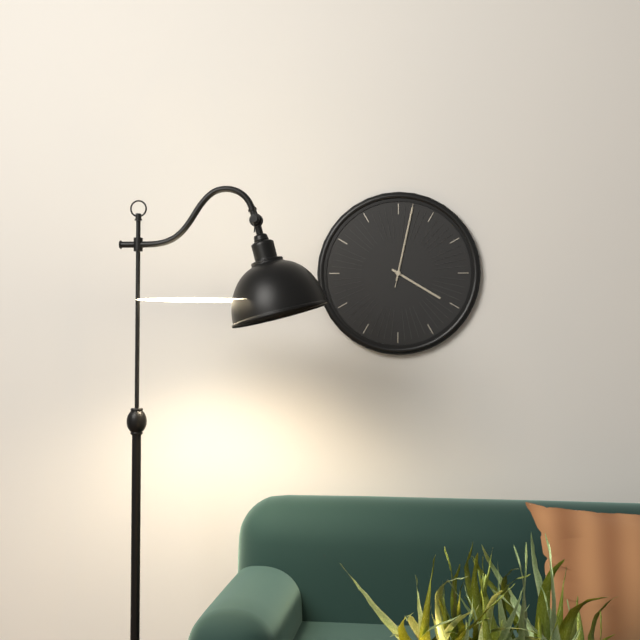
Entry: h=4 m=2 s=2
